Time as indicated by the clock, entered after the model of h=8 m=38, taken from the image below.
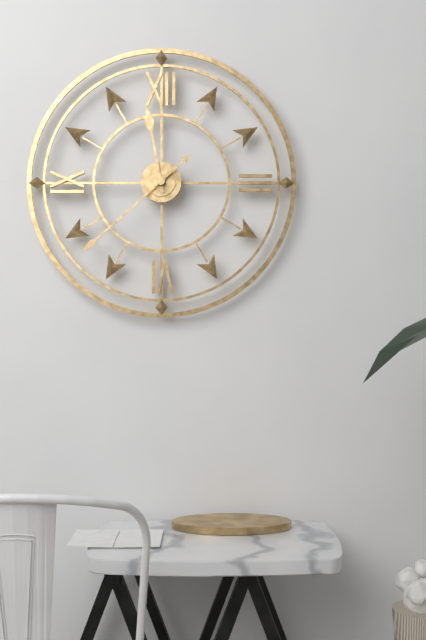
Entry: h=11 m=38
